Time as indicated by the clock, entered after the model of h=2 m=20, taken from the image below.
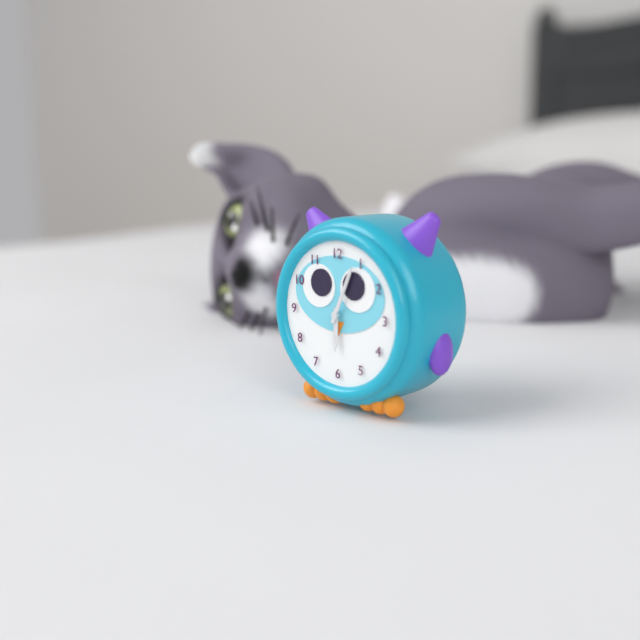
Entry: h=6 m=4
